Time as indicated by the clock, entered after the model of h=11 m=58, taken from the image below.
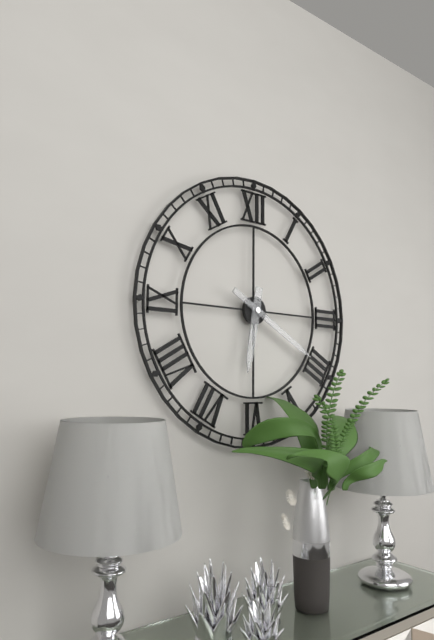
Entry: h=6 m=20
